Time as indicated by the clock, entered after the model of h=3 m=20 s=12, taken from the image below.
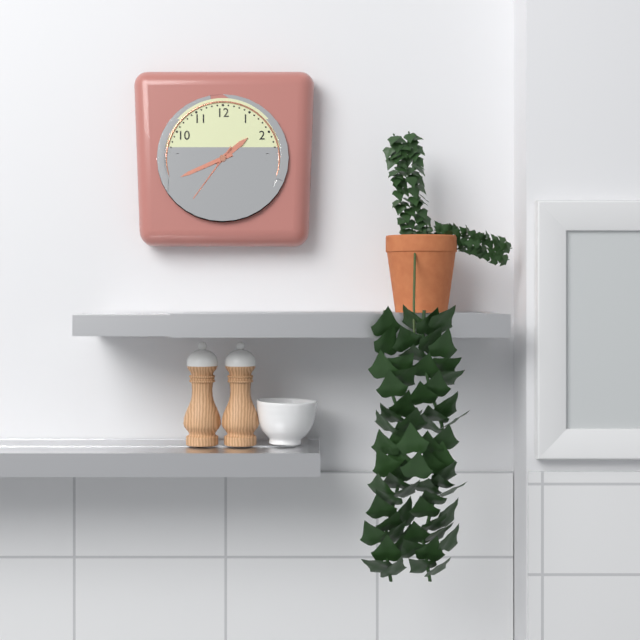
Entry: h=1 m=41 s=36
